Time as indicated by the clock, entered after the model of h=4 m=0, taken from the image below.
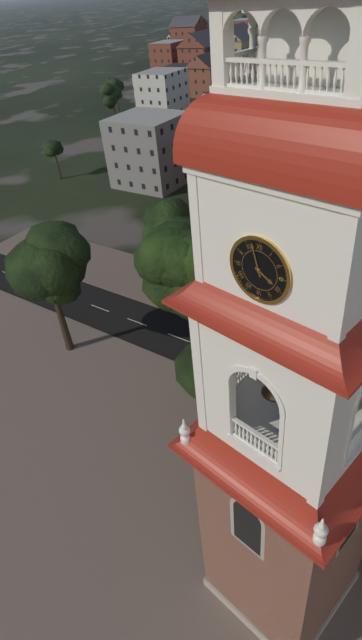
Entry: h=3 m=57
